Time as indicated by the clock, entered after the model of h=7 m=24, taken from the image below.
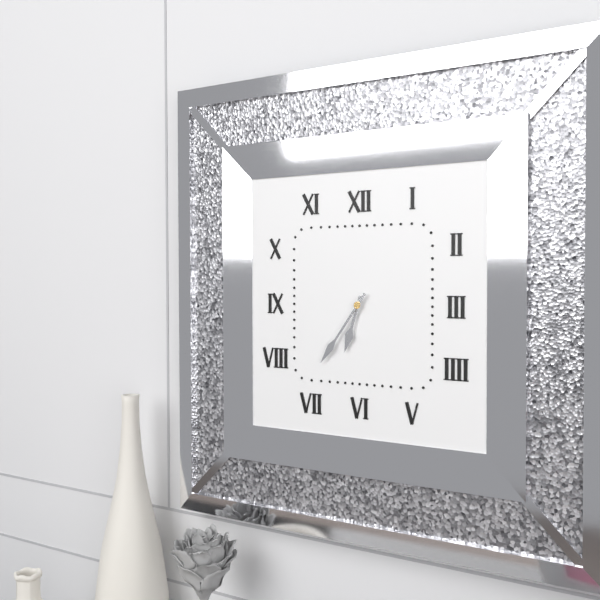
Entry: h=6 m=36
